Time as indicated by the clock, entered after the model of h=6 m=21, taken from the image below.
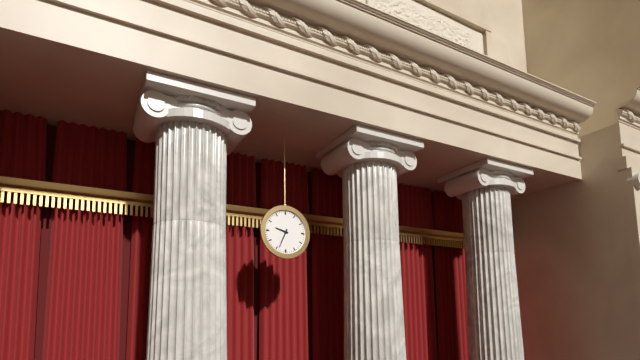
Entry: h=9 m=34
